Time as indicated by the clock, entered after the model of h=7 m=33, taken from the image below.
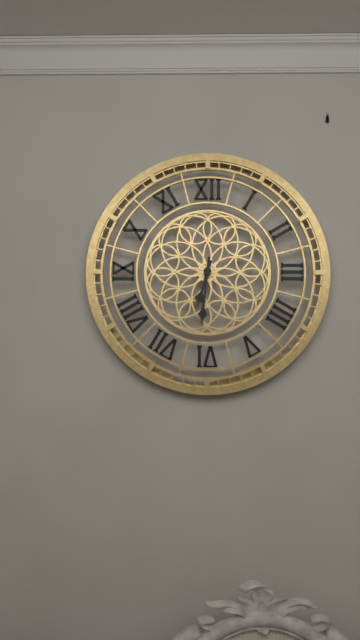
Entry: h=6 m=31
